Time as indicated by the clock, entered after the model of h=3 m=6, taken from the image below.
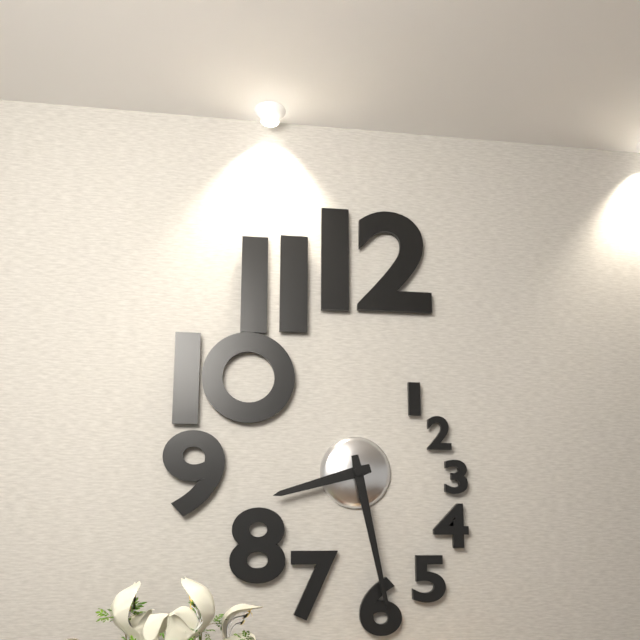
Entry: h=8 m=28
